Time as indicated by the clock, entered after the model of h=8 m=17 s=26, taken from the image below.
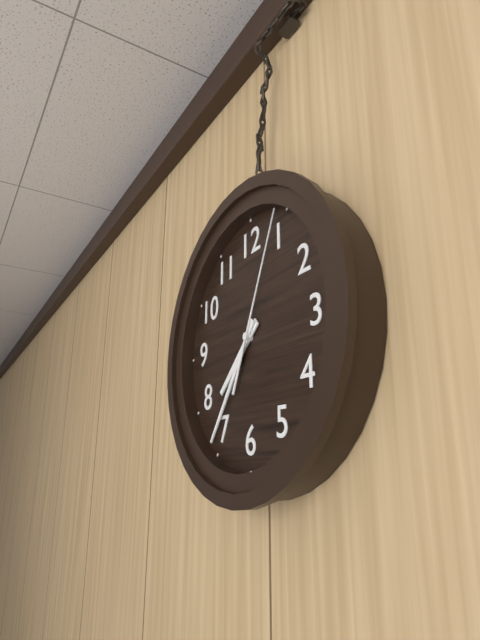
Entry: h=7 m=36 s=4
